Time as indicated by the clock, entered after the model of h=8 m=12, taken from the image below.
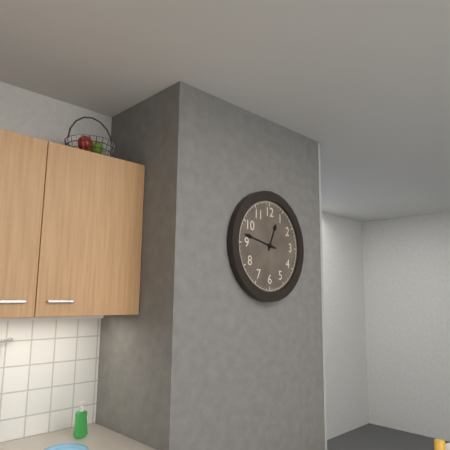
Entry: h=12 m=47
